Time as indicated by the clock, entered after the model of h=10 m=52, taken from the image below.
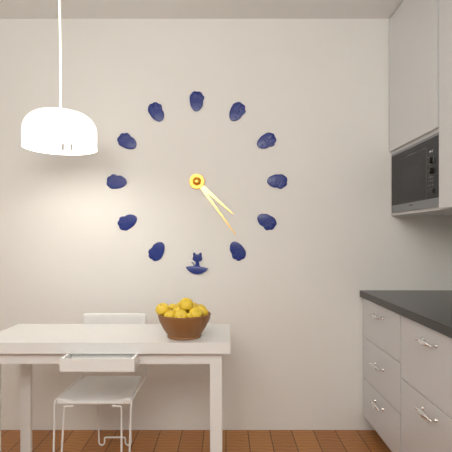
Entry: h=4 m=24
